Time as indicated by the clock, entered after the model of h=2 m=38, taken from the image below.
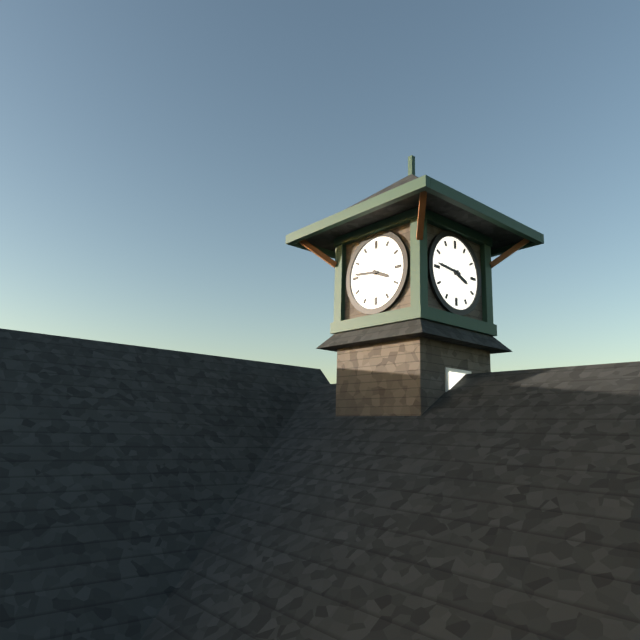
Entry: h=3 m=46
